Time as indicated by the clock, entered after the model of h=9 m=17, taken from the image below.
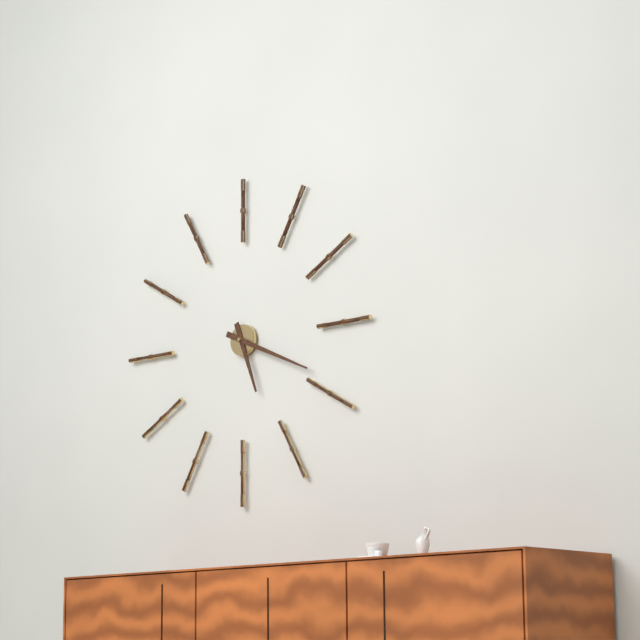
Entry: h=5 m=19
